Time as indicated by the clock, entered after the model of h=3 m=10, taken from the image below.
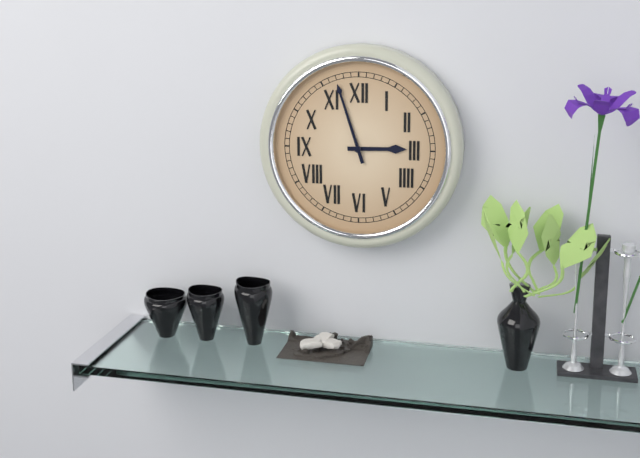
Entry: h=2 m=57
